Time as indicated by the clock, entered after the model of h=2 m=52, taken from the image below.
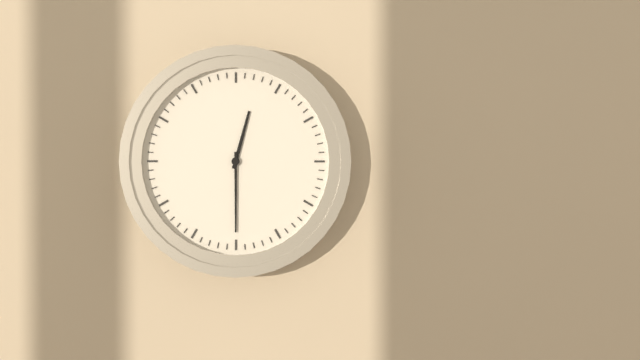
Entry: h=12 m=30
